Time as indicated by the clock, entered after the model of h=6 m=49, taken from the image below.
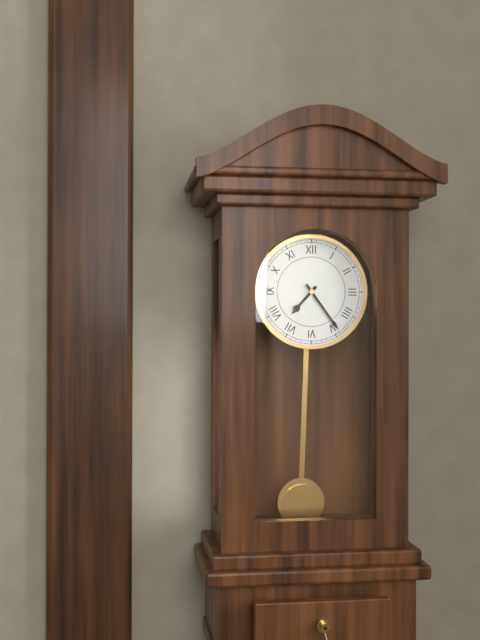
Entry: h=7 m=24
